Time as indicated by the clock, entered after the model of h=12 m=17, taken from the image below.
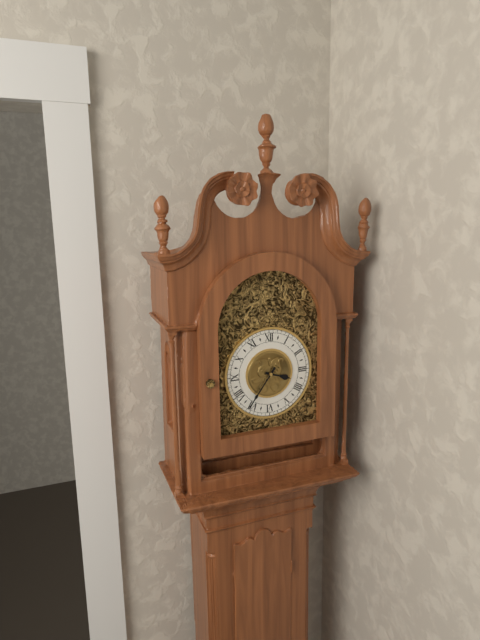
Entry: h=3 m=36
